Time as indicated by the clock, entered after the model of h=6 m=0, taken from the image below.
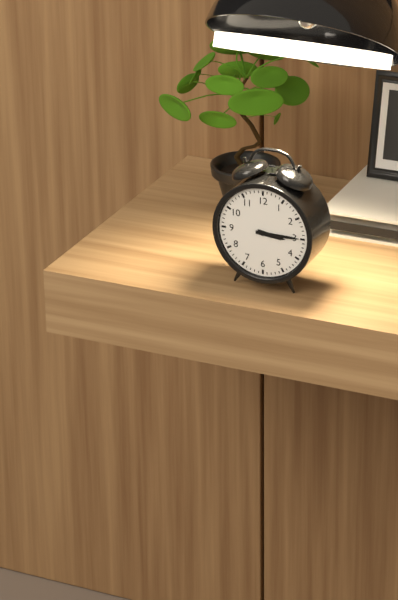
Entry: h=3 m=15
